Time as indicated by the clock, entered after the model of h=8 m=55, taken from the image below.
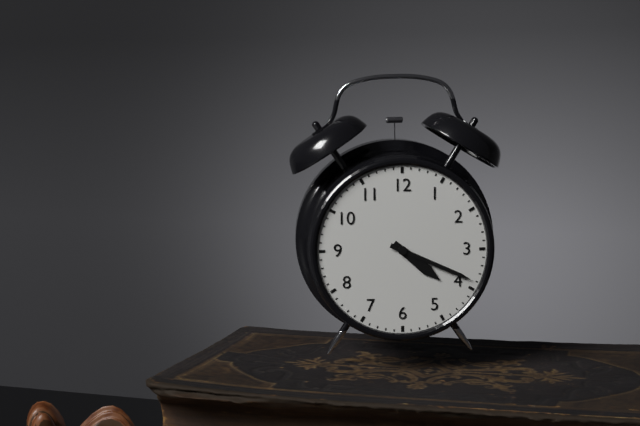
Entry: h=4 m=19
